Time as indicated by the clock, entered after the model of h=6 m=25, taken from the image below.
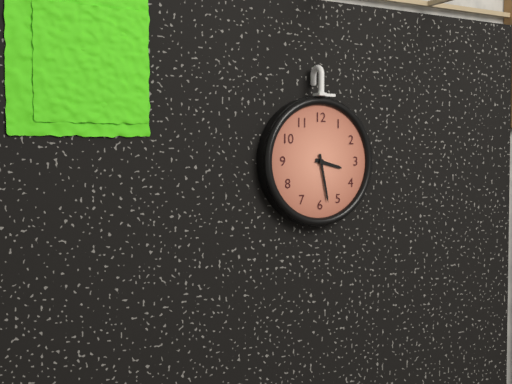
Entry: h=3 m=28
